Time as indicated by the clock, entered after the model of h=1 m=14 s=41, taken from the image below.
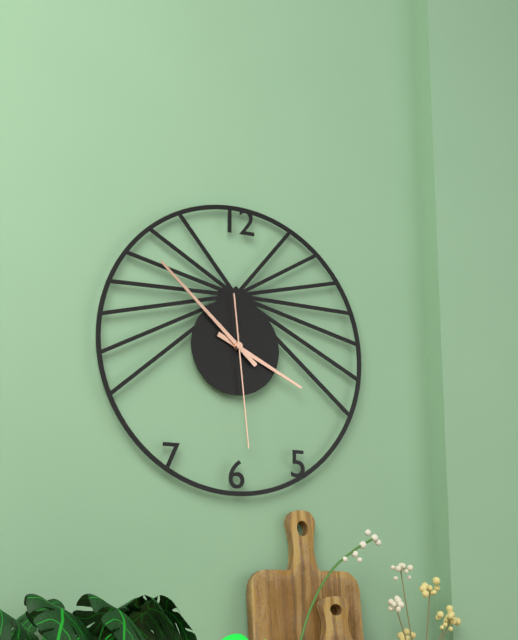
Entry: h=3 m=52 s=29
